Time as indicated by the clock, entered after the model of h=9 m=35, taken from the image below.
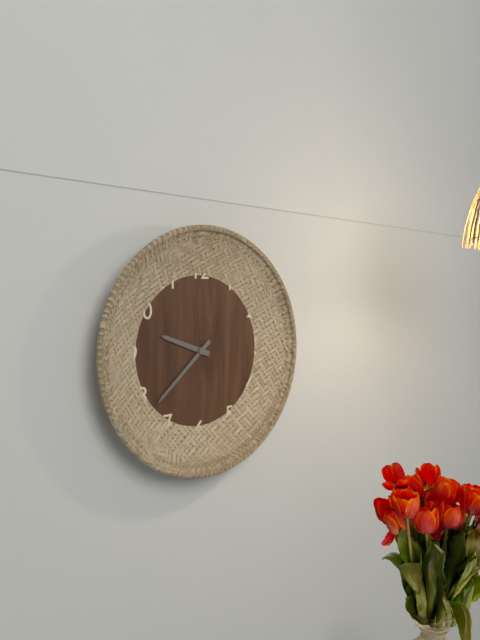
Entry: h=9 m=38
